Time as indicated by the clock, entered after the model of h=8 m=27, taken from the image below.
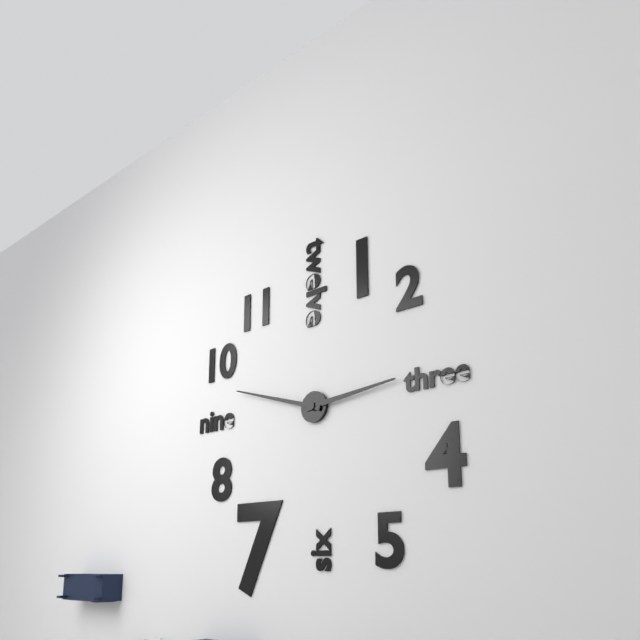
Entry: h=2 m=48
